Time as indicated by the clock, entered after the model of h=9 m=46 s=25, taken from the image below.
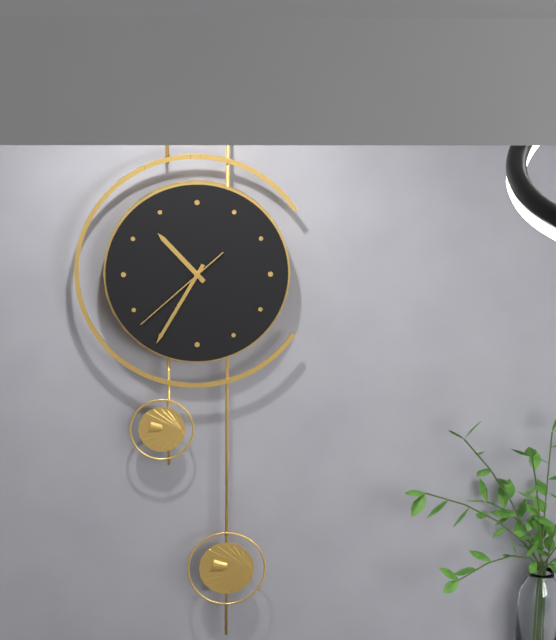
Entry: h=10 m=35 s=38
